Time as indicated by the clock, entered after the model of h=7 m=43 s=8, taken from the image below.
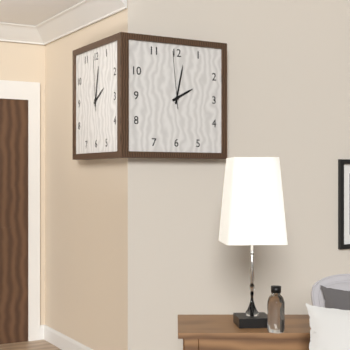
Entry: h=2 m=2 s=59
